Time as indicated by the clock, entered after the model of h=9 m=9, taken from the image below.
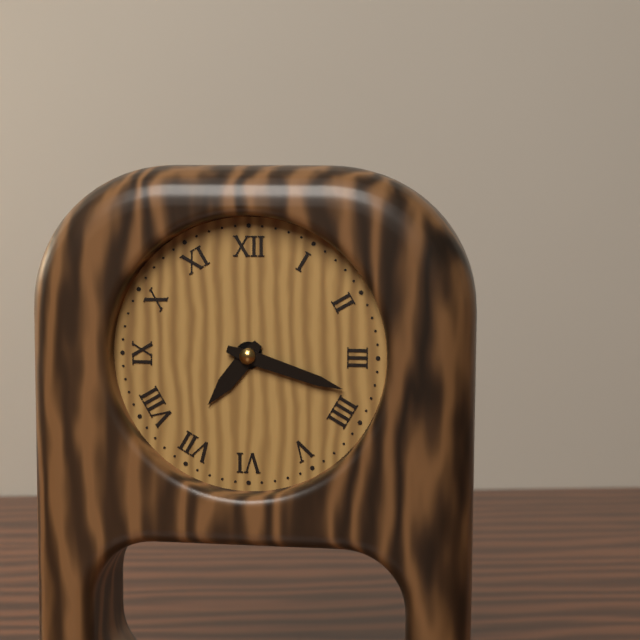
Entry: h=7 m=18
